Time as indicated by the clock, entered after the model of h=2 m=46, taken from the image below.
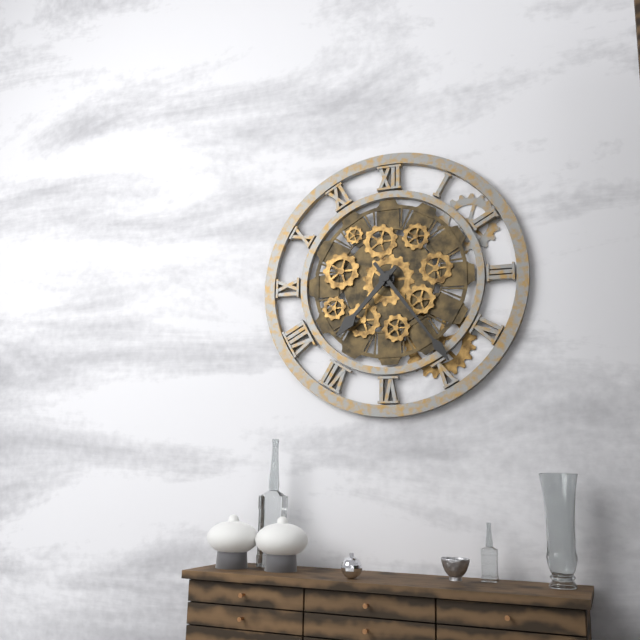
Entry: h=7 m=24
